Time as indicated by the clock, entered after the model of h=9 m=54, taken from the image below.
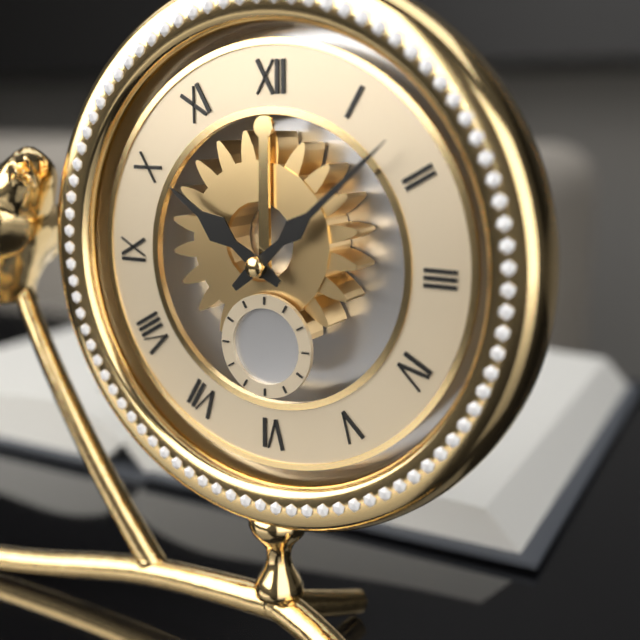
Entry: h=10 m=8
